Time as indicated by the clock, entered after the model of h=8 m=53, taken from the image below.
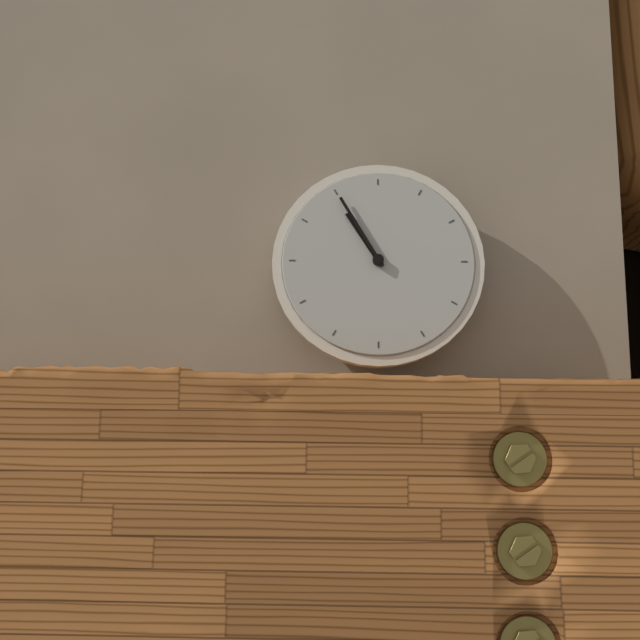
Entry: h=10 m=55
